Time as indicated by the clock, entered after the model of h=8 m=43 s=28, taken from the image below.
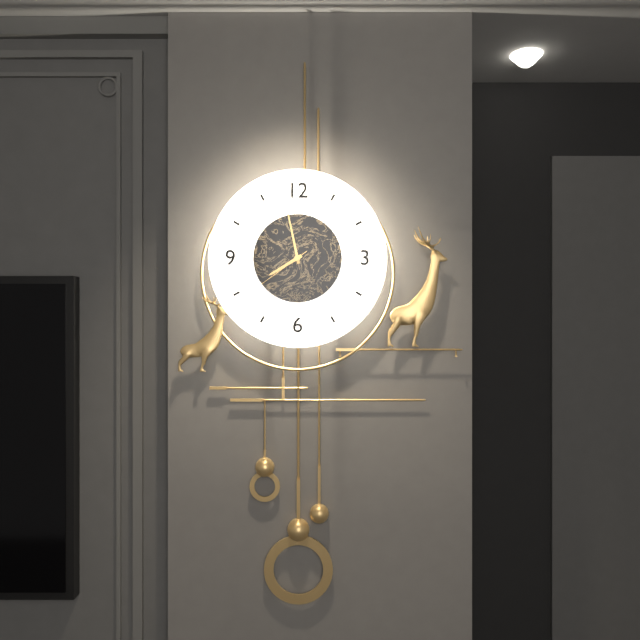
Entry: h=7 m=58 s=39
